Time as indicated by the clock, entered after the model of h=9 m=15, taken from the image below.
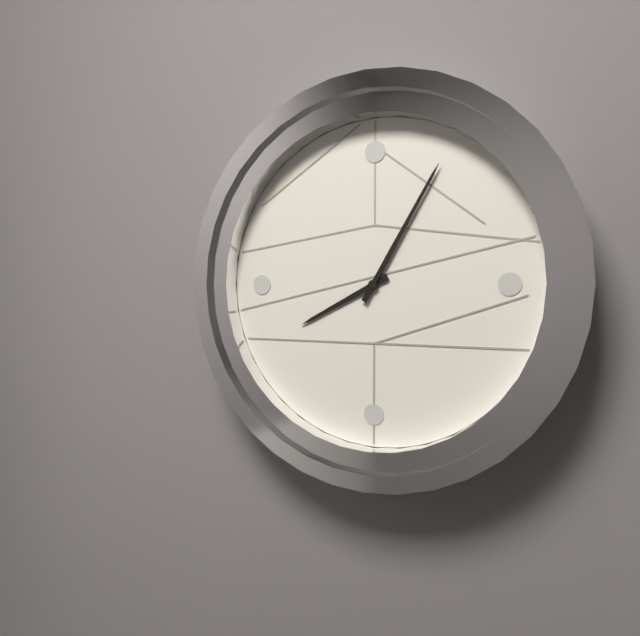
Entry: h=8 m=5
